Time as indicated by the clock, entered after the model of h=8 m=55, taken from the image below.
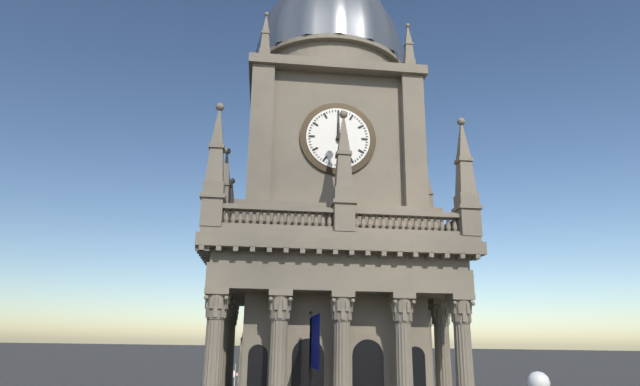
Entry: h=12 m=0
